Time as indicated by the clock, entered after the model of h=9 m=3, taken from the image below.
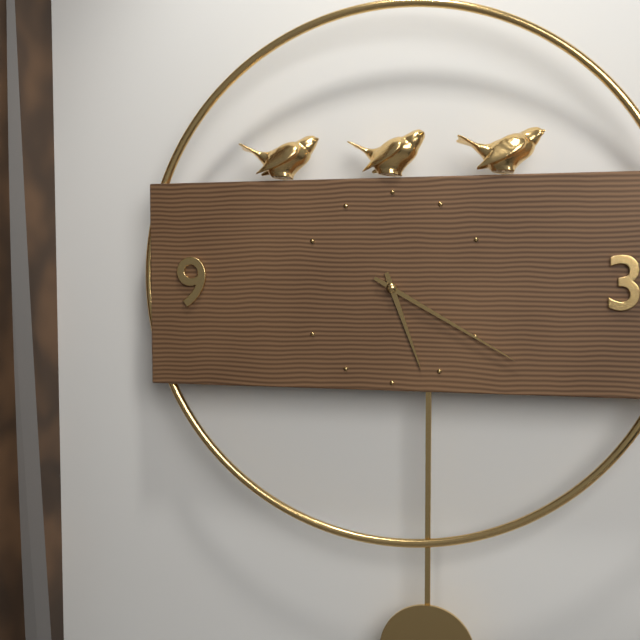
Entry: h=5 m=20
